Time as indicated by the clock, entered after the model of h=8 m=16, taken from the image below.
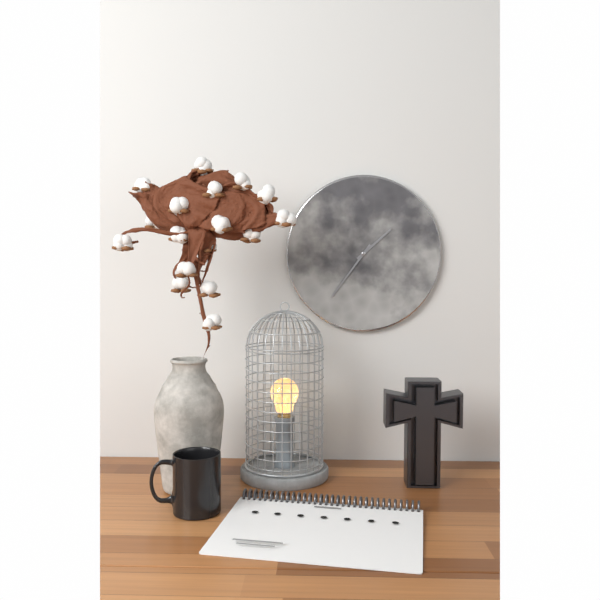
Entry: h=1 m=36
